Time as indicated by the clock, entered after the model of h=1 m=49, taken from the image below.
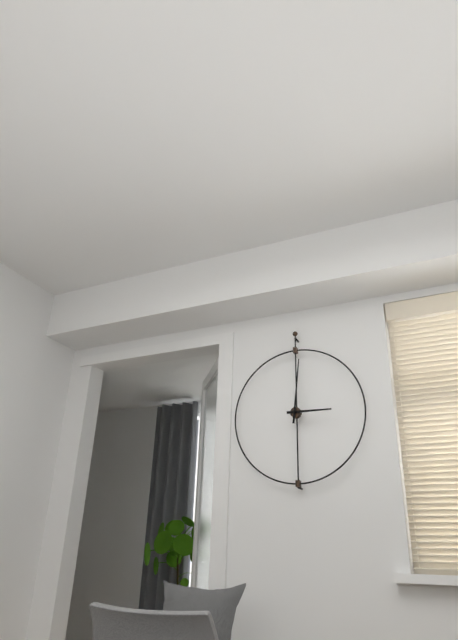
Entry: h=3 m=1
